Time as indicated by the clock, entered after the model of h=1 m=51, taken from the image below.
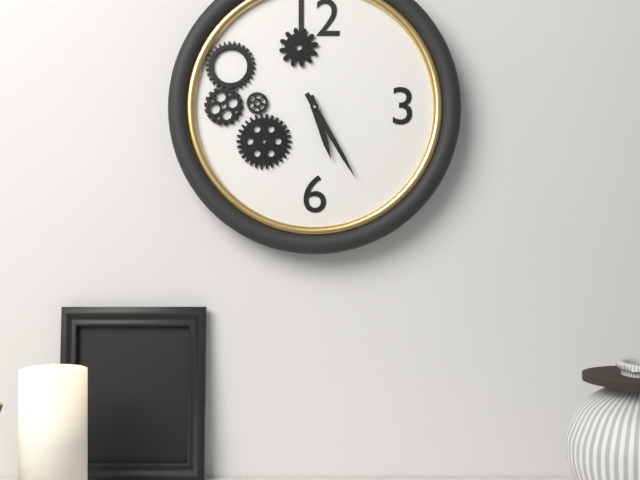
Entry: h=5 m=25
